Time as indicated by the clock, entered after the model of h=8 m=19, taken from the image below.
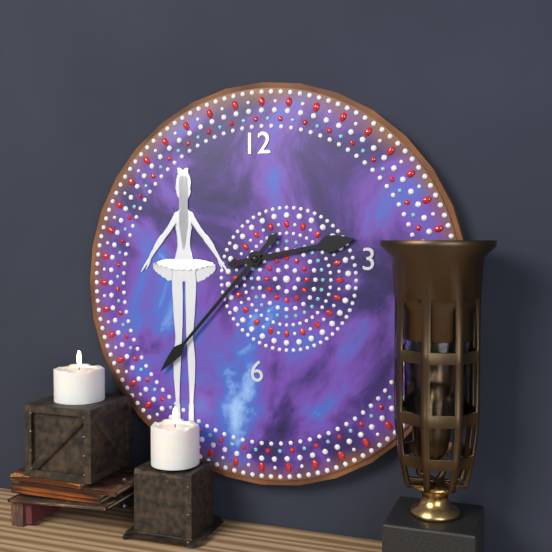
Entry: h=2 m=37
